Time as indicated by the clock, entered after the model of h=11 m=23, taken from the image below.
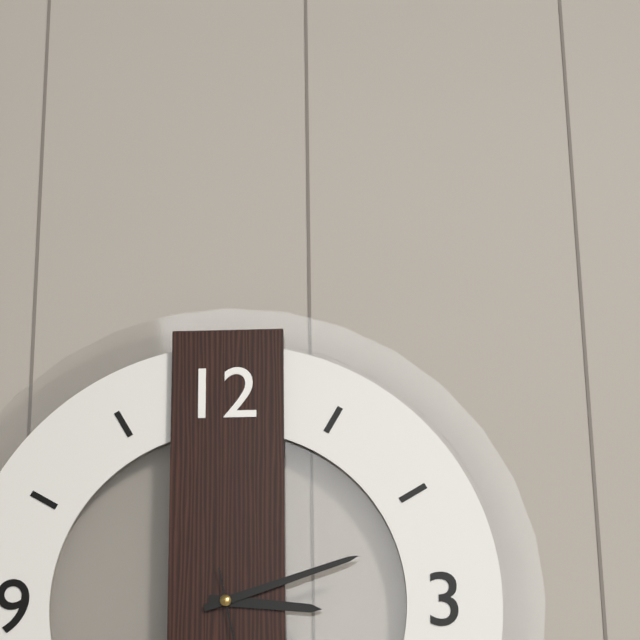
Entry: h=3 m=12
